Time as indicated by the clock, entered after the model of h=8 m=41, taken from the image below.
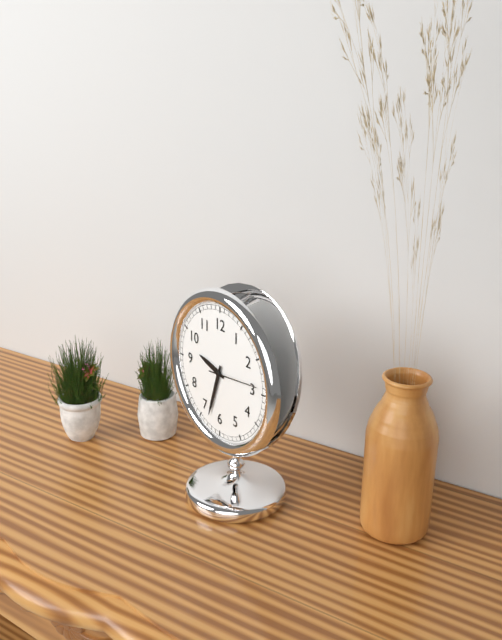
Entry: h=9 m=33
